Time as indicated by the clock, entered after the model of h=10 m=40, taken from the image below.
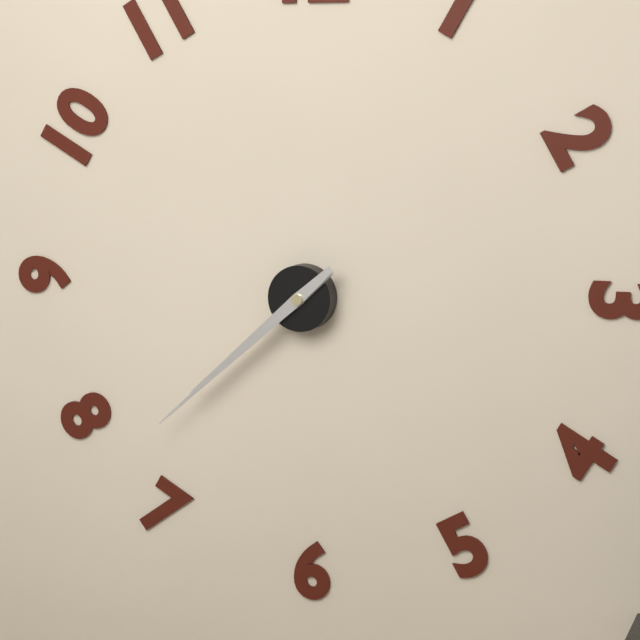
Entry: h=7 m=38
